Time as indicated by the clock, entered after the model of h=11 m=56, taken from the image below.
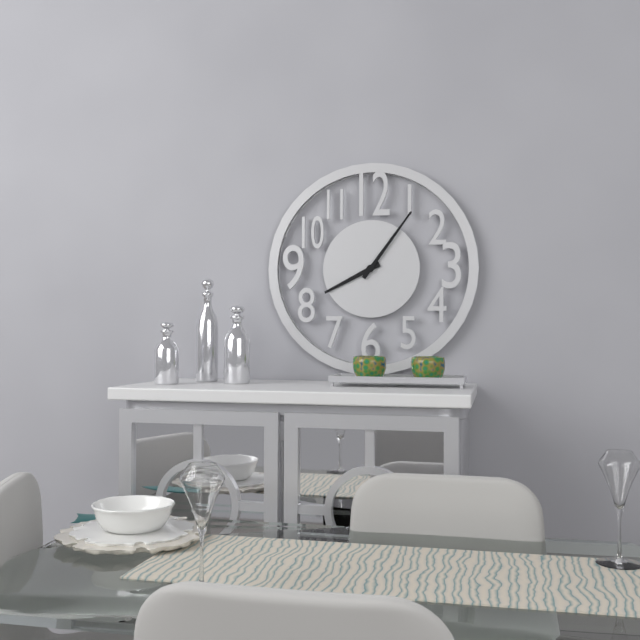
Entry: h=8 m=6
